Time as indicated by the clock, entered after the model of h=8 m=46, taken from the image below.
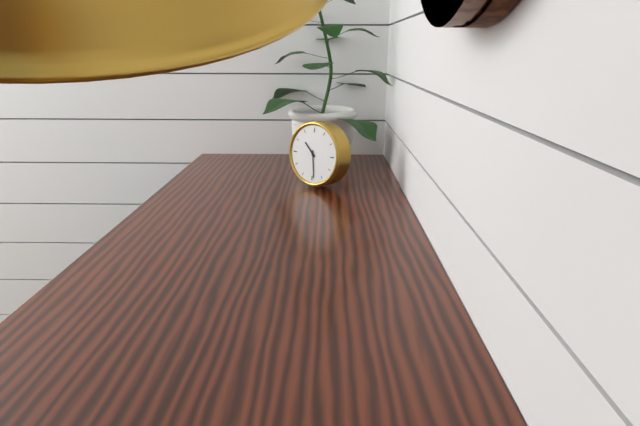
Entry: h=10 m=29
